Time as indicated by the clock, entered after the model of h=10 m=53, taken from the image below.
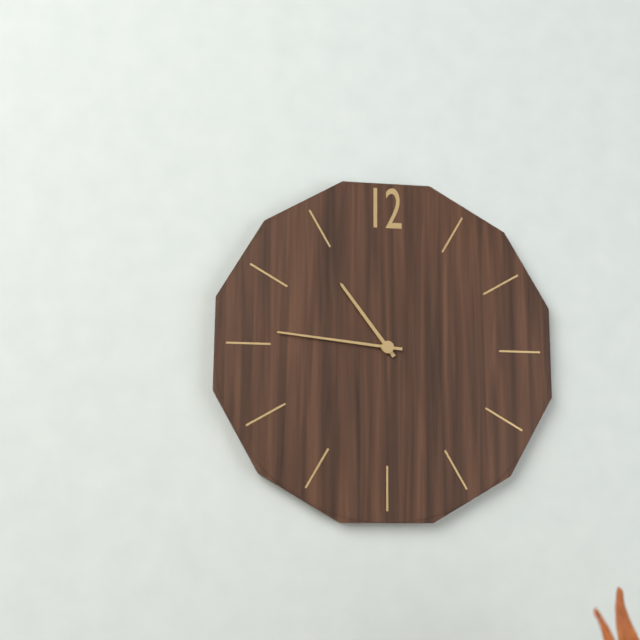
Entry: h=10 m=46
